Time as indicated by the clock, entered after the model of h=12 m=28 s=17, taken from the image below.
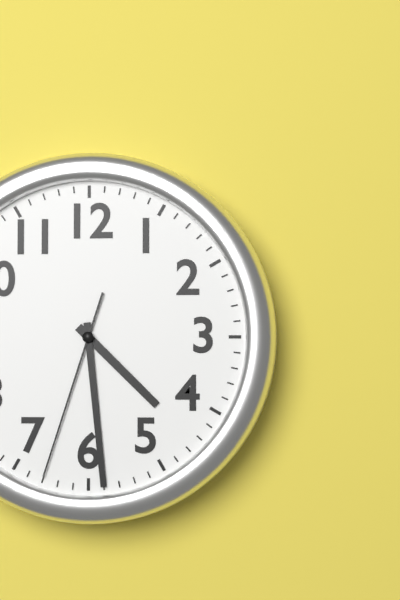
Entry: h=4 m=29 s=33
